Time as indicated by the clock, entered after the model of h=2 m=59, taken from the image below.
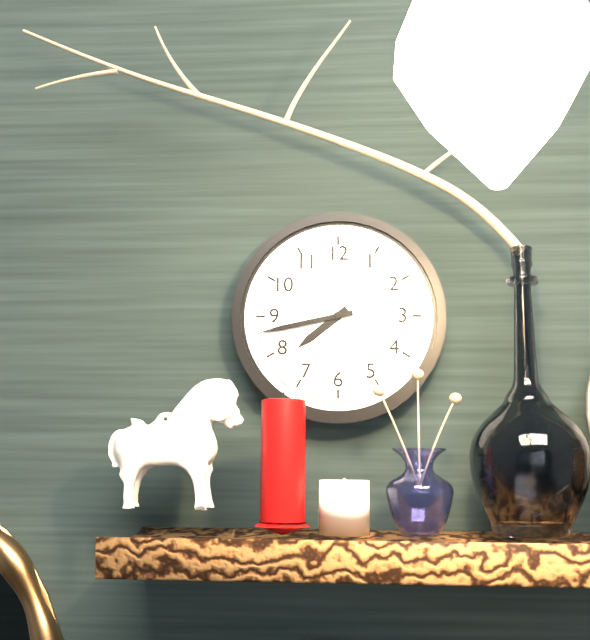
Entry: h=7 m=43
